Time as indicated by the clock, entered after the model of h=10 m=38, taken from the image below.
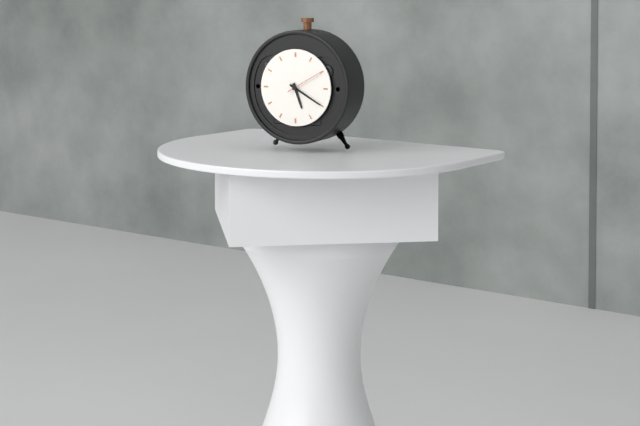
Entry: h=5 m=20
